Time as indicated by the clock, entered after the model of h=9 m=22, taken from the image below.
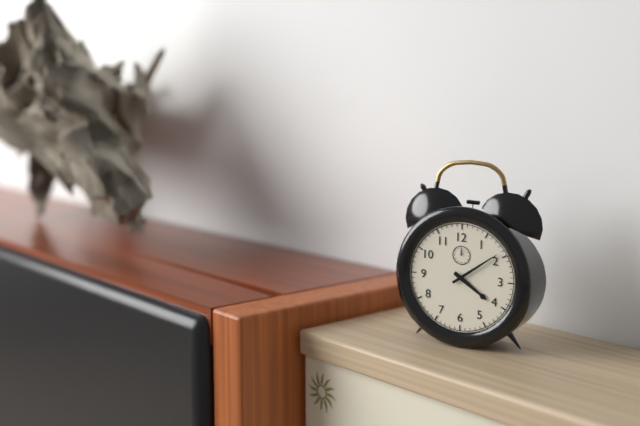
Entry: h=4 m=9
